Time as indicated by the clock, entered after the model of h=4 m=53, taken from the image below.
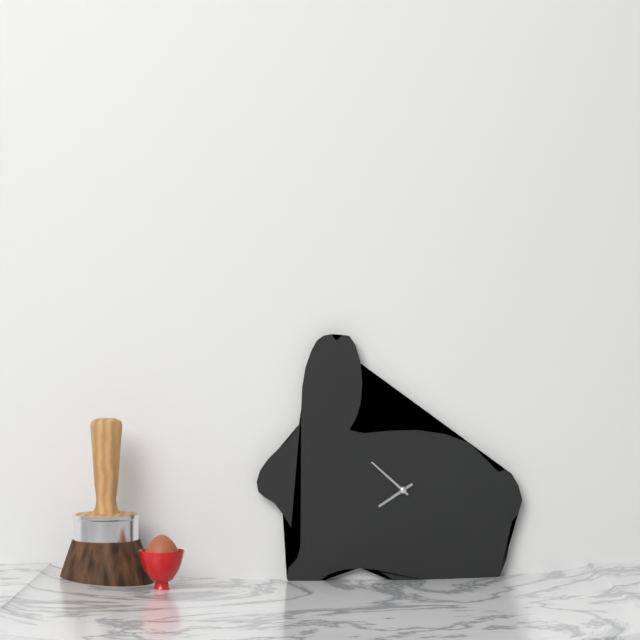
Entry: h=7 m=52
